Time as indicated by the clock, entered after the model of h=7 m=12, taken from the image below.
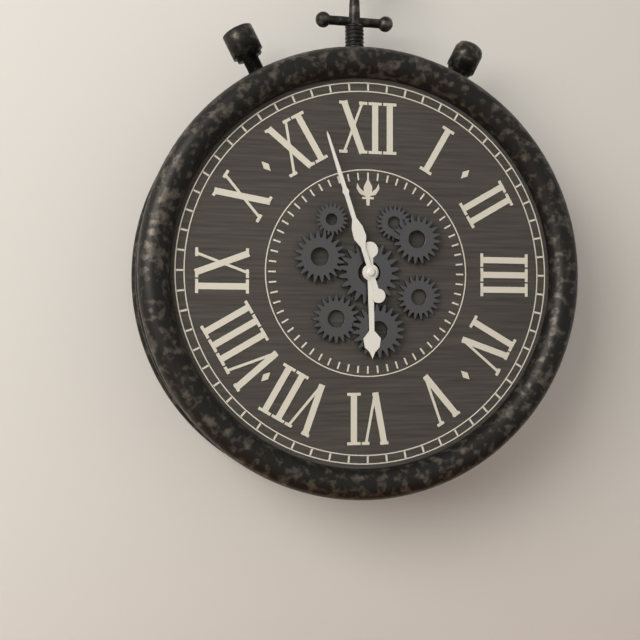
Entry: h=5 m=57
